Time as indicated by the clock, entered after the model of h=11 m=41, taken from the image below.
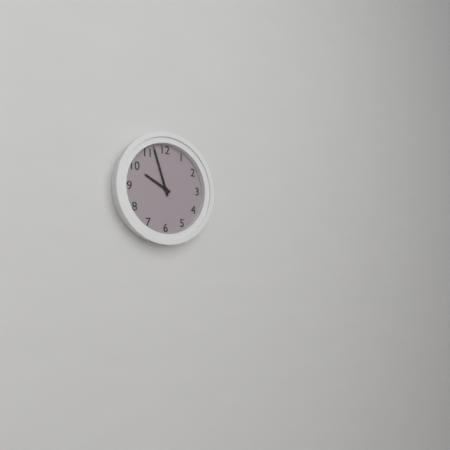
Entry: h=9 m=57
